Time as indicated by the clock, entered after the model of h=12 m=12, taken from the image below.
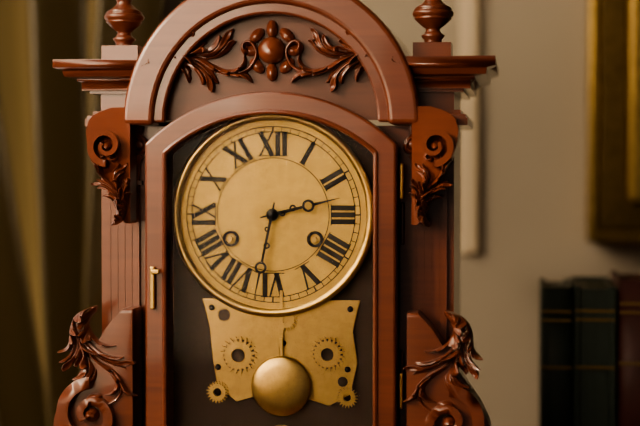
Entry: h=2 m=32
